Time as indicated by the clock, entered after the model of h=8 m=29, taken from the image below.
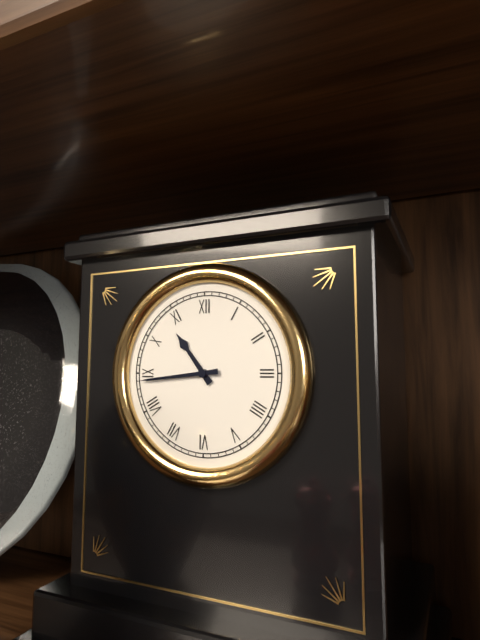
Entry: h=10 m=44
